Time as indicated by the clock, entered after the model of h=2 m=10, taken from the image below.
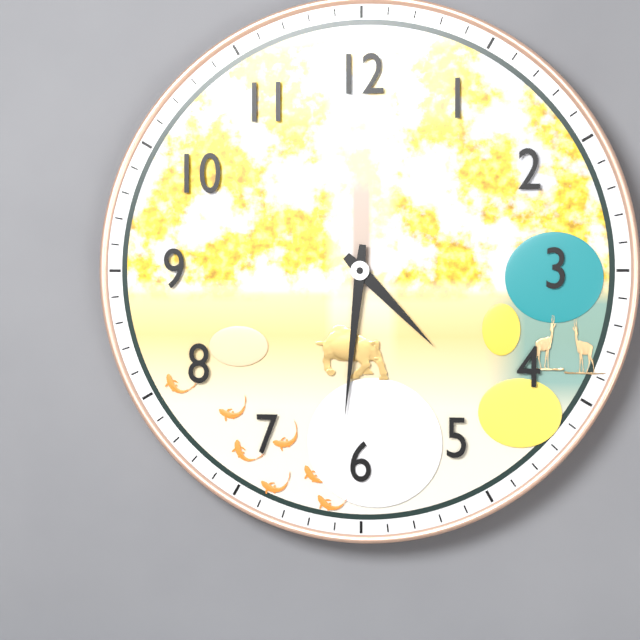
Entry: h=4 m=31
